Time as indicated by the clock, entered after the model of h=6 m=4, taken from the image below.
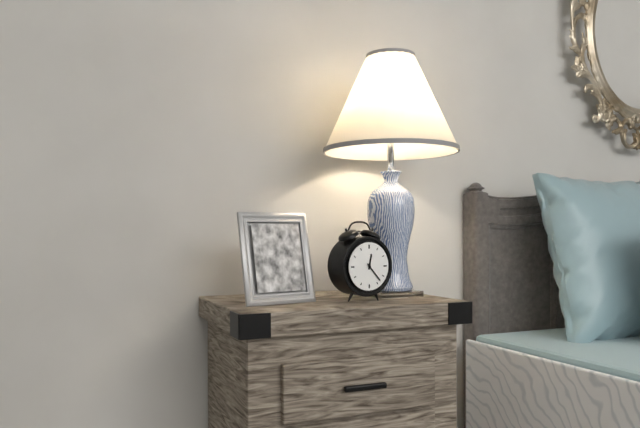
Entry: h=12 m=23
